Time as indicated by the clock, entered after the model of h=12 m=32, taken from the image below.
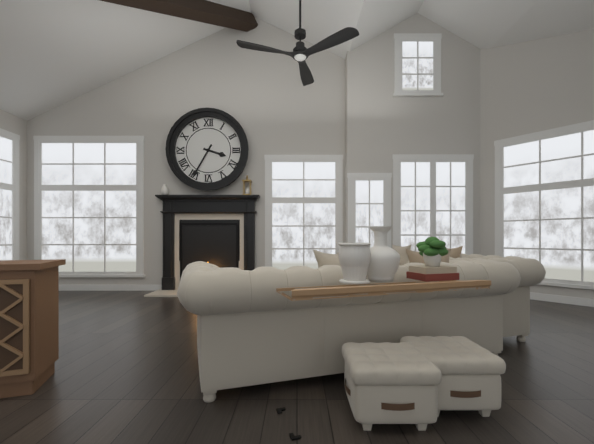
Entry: h=3 m=35
